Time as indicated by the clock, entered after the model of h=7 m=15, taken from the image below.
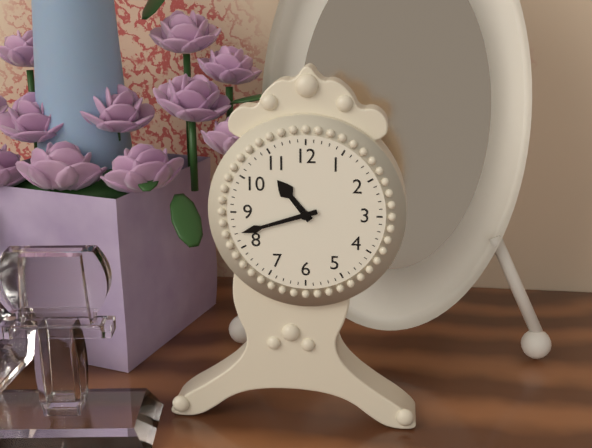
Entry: h=10 m=42
